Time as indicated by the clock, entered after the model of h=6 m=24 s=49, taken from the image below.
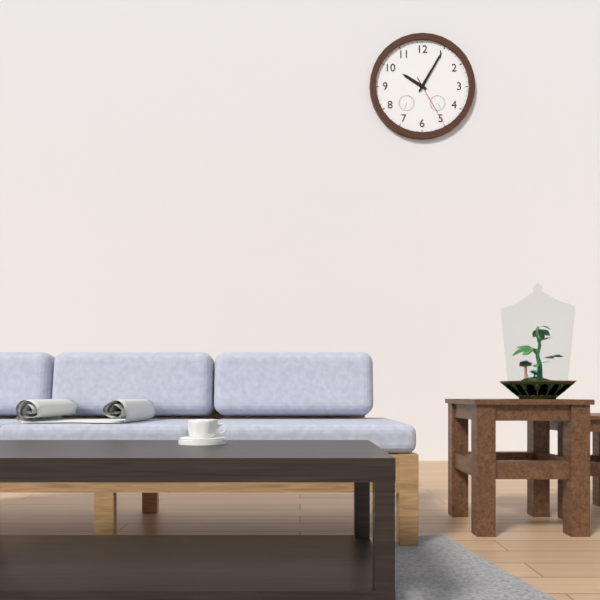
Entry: h=10 m=5 s=25
